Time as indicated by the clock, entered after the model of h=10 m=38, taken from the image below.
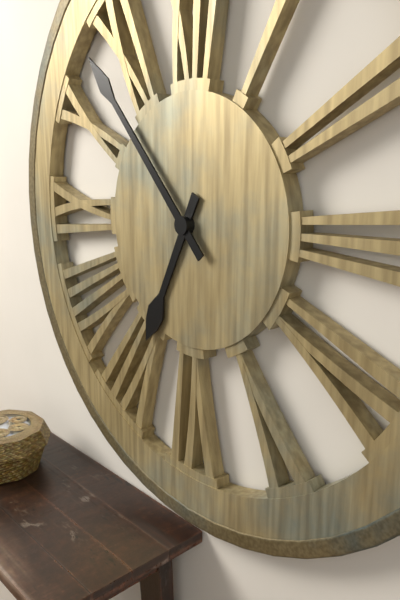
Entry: h=6 m=53
